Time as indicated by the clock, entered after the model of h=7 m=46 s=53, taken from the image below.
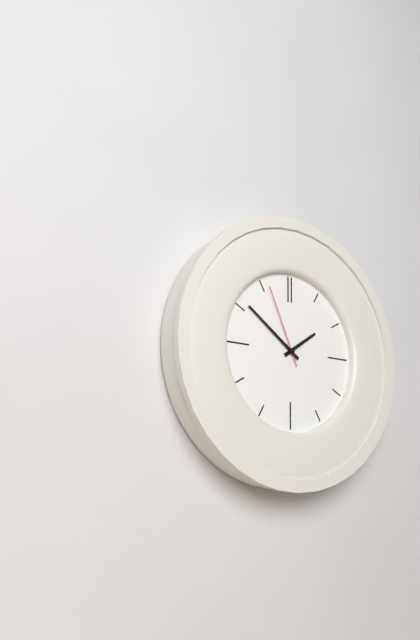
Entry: h=1 m=51 s=56
